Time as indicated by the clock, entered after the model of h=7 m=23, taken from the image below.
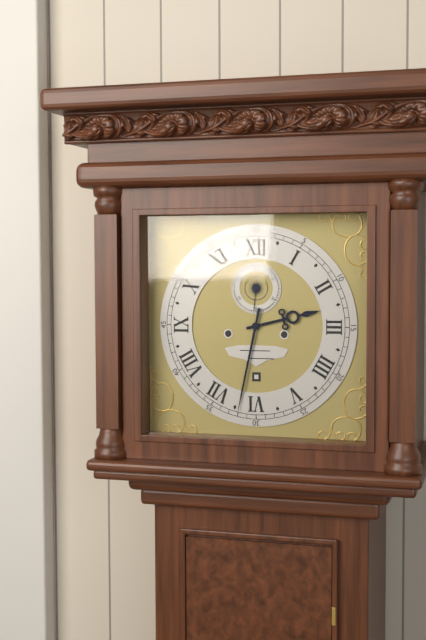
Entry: h=2 m=32
